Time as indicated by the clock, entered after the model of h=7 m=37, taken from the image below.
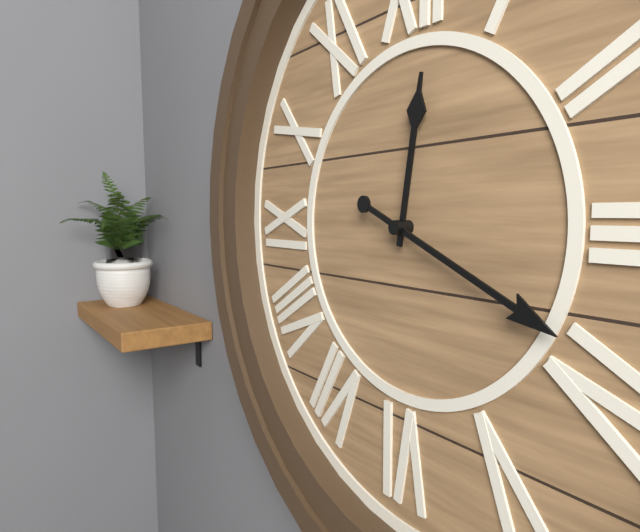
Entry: h=12 m=19
